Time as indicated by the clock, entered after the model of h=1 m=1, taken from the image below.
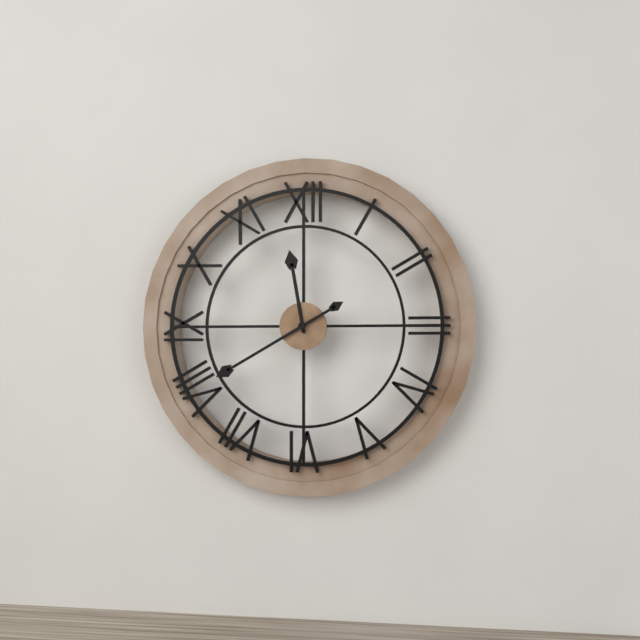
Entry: h=11 m=40
